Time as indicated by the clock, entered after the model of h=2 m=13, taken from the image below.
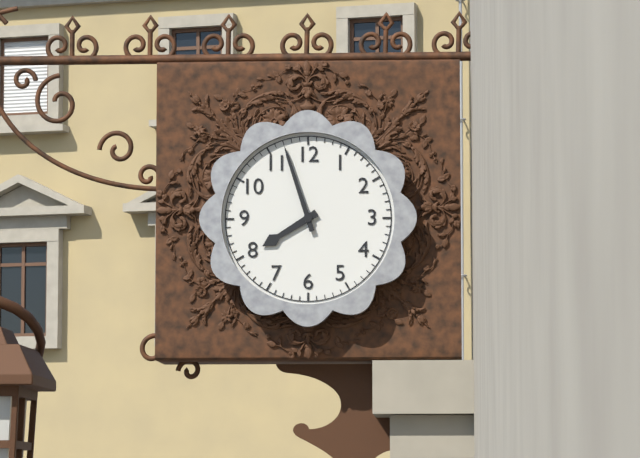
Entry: h=7 m=57
